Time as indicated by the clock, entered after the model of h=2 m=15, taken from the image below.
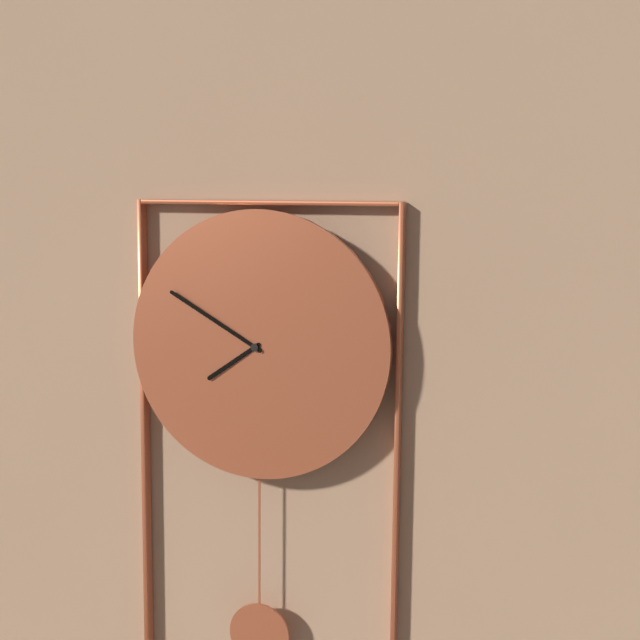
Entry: h=7 m=50
